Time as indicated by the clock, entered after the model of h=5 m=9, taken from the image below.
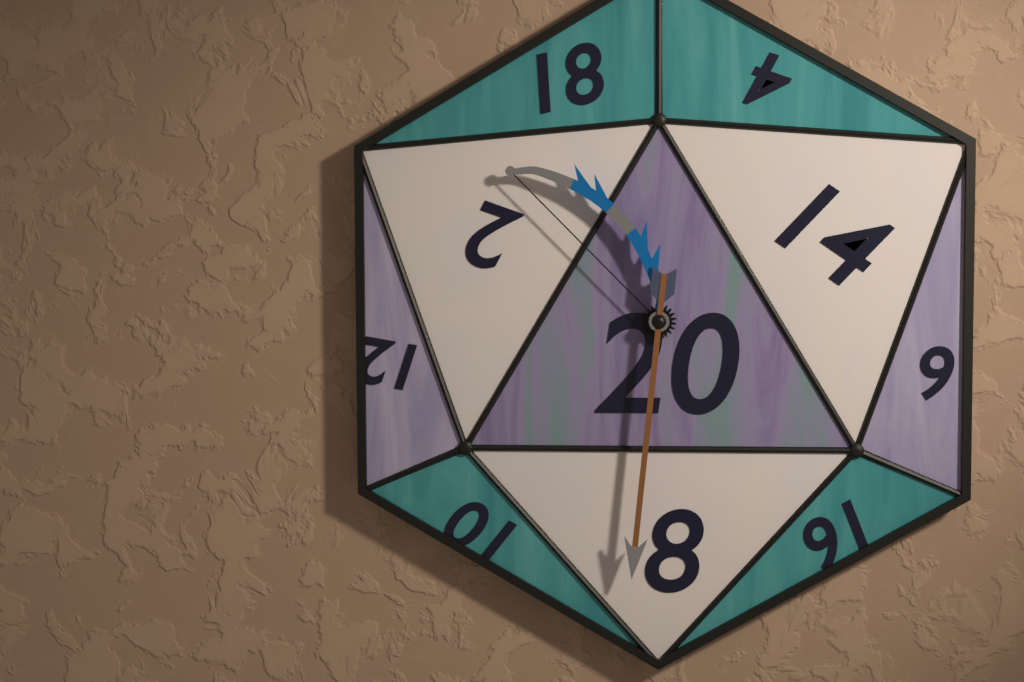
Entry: h=10 m=31
